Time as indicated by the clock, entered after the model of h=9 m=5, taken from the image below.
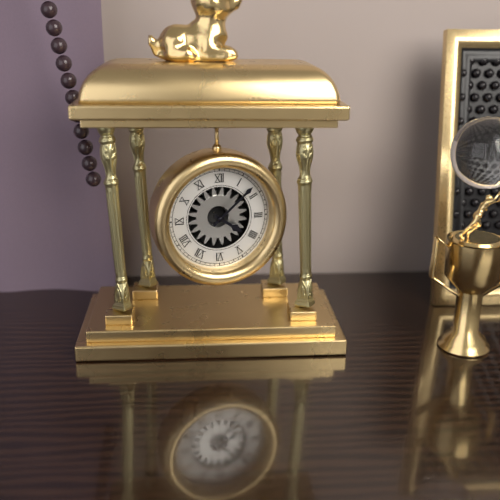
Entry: h=4 m=8
